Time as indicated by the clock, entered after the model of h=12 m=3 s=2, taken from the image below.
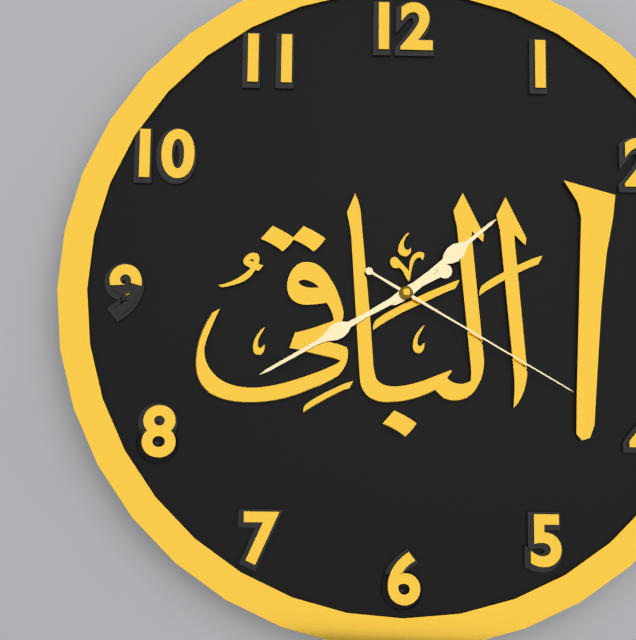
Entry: h=1 m=40 s=20
